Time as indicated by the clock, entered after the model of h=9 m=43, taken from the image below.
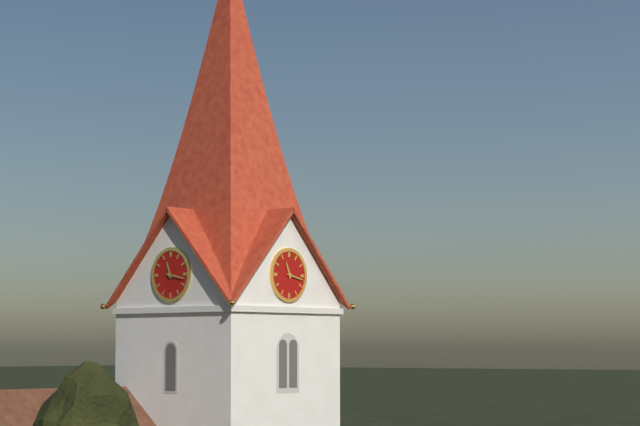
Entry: h=11 m=17
